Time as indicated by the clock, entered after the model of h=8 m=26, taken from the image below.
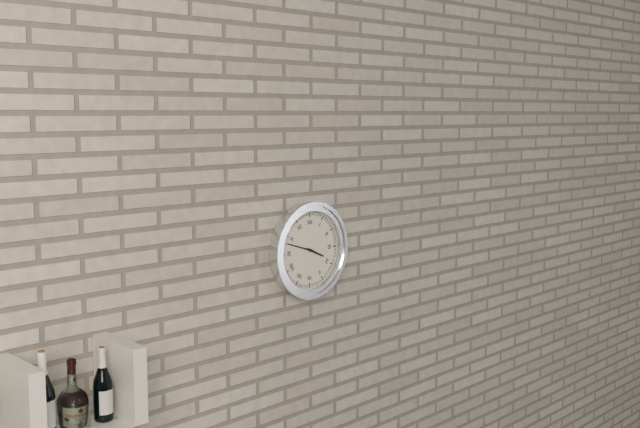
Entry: h=3 m=48
